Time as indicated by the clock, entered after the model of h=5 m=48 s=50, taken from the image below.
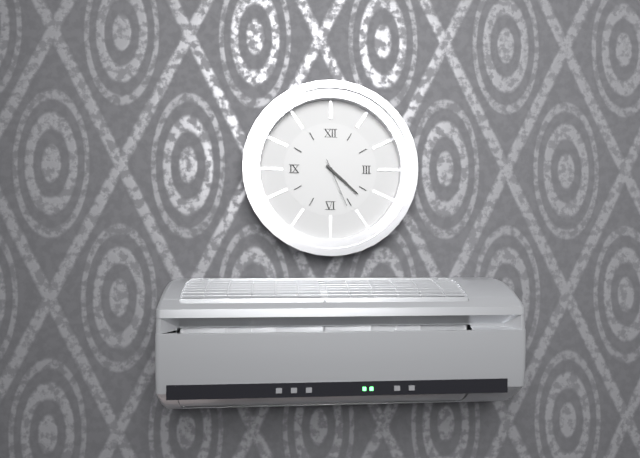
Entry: h=4 m=22 s=26
